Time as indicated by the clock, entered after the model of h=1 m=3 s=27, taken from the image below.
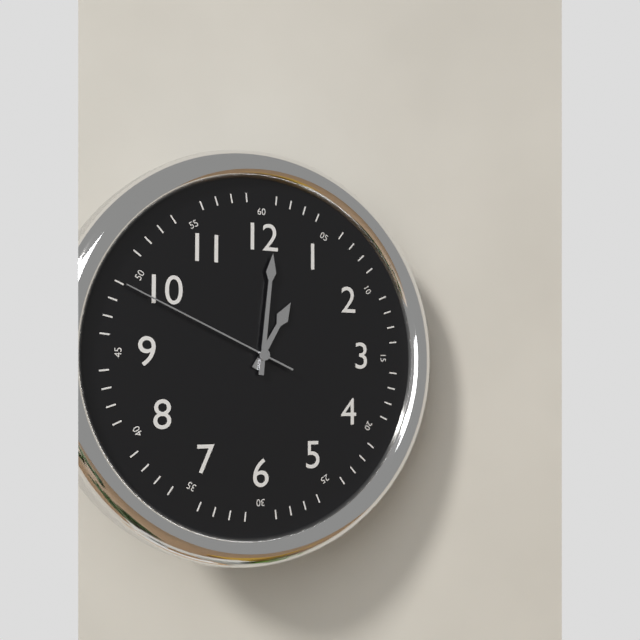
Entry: h=1 m=1 s=49
